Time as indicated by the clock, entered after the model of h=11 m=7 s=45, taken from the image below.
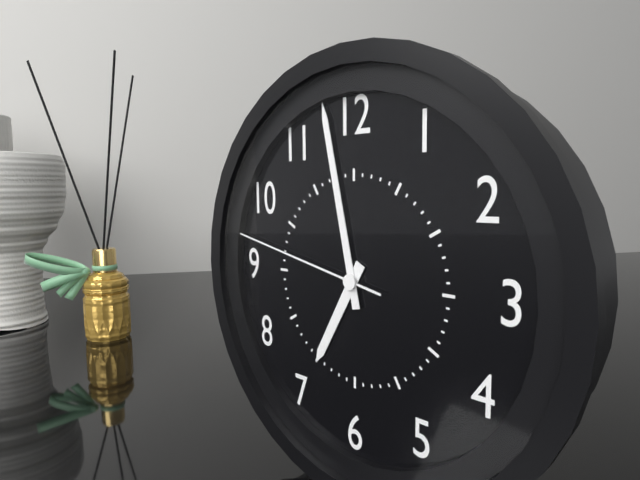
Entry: h=6 m=58 s=47
